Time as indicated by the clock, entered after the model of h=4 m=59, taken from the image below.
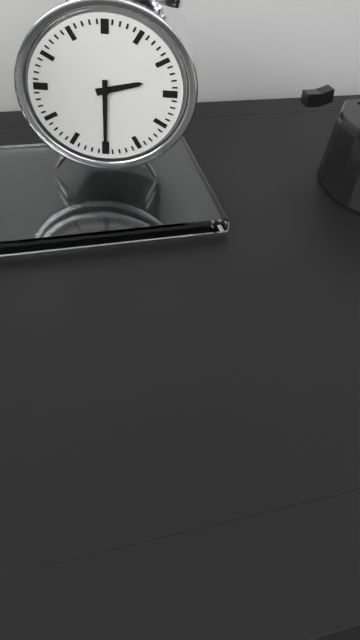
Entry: h=2 m=30
